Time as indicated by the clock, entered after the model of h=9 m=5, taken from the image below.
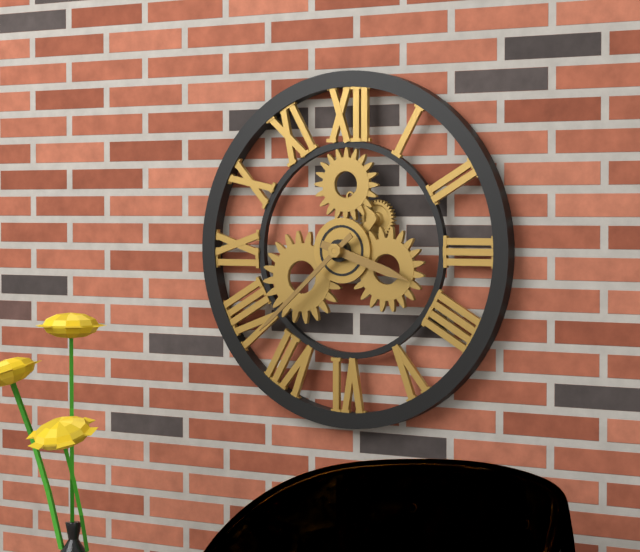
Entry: h=3 m=38
